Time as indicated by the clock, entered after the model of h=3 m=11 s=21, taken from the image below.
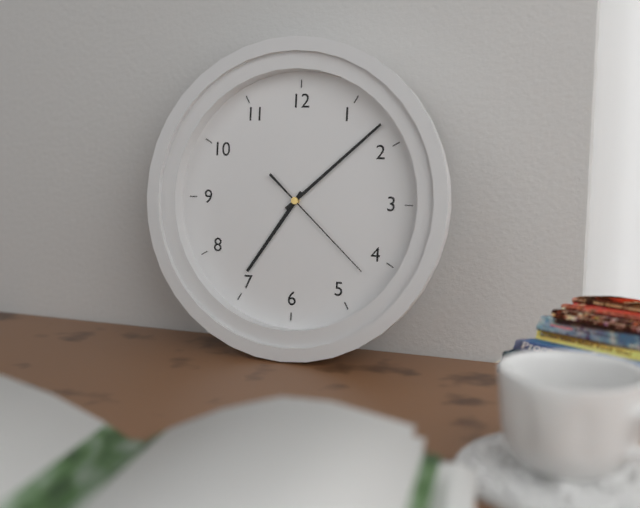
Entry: h=7 m=8 s=22
